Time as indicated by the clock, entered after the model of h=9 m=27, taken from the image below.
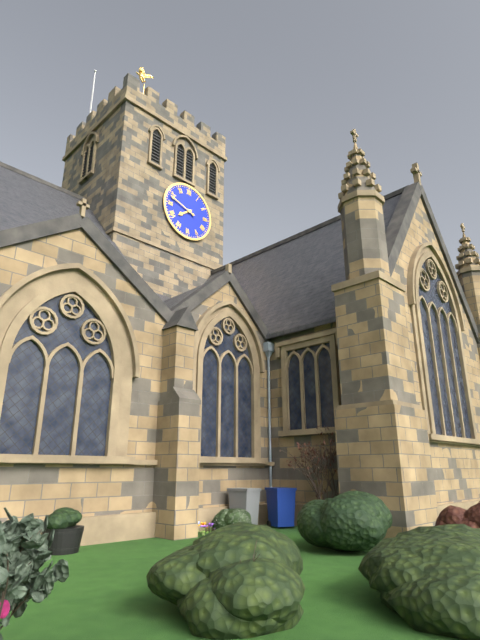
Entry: h=7 m=48
